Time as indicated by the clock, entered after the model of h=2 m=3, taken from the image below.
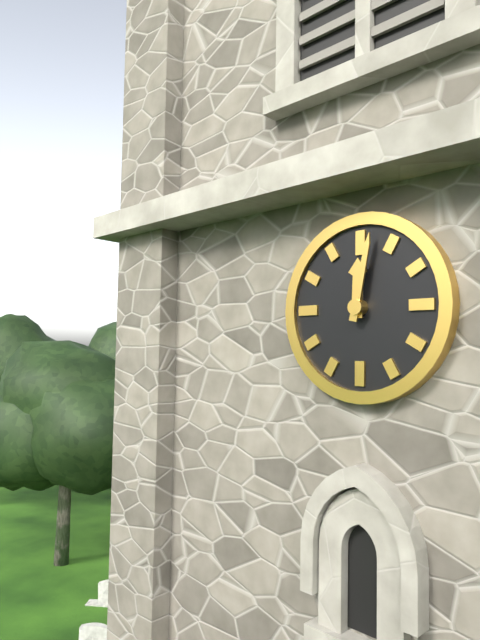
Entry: h=12 m=2
